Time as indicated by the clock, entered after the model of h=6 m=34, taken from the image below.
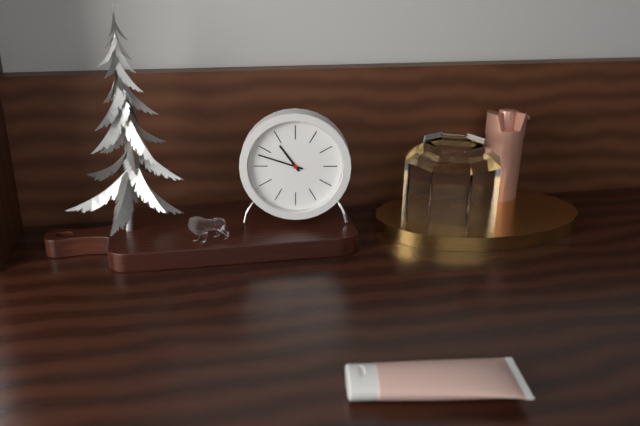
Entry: h=10 m=48
